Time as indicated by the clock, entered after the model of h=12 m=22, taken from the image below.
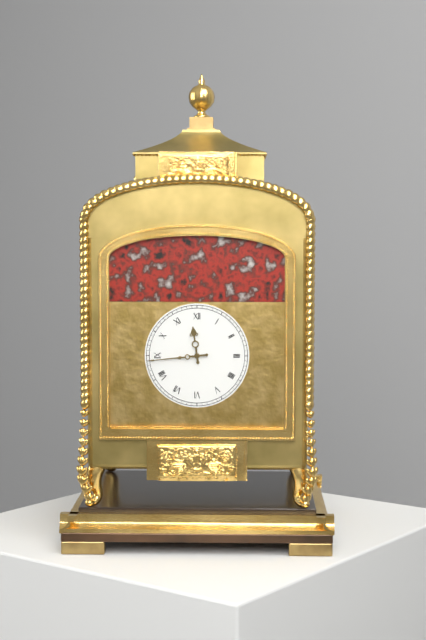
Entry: h=11 m=44
